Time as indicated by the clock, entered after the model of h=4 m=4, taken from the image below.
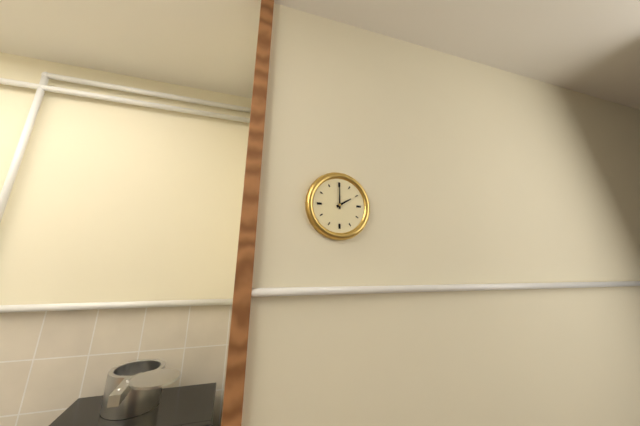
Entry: h=2 m=0
